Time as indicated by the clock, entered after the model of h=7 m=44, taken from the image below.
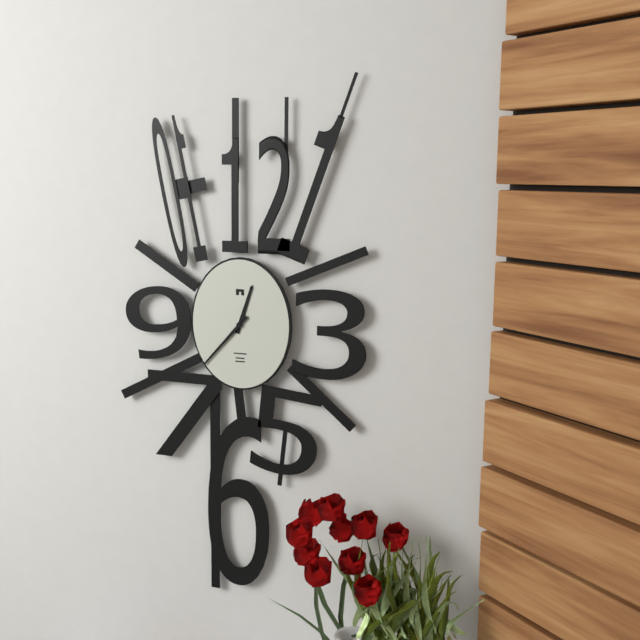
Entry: h=12 m=37
